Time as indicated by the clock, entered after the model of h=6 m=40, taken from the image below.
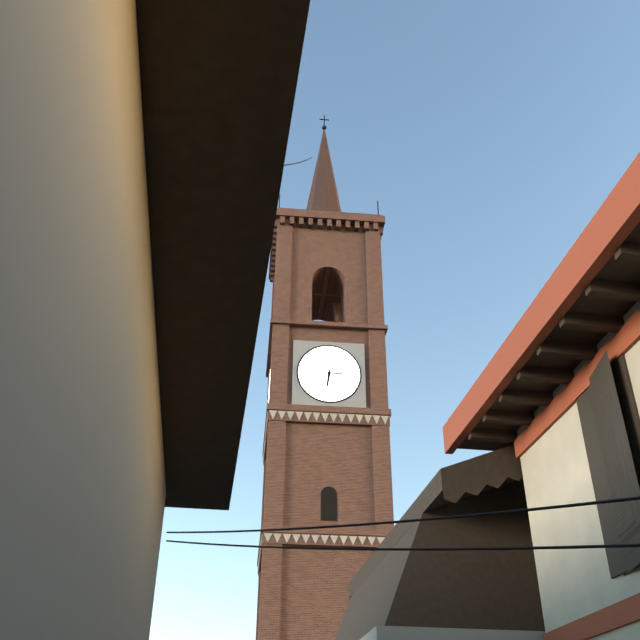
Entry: h=6 m=15
